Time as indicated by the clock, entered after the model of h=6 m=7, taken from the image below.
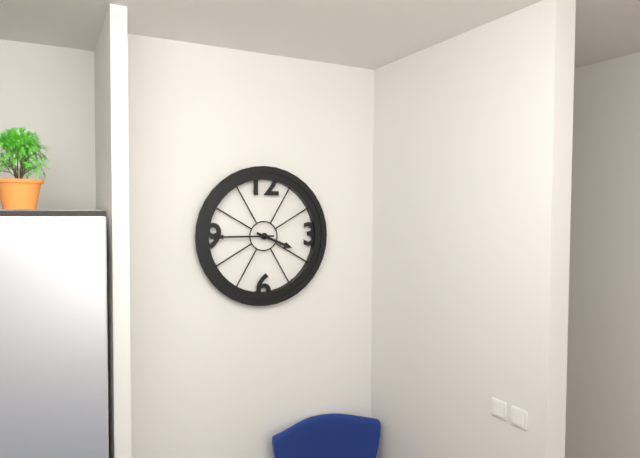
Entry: h=3 m=45
